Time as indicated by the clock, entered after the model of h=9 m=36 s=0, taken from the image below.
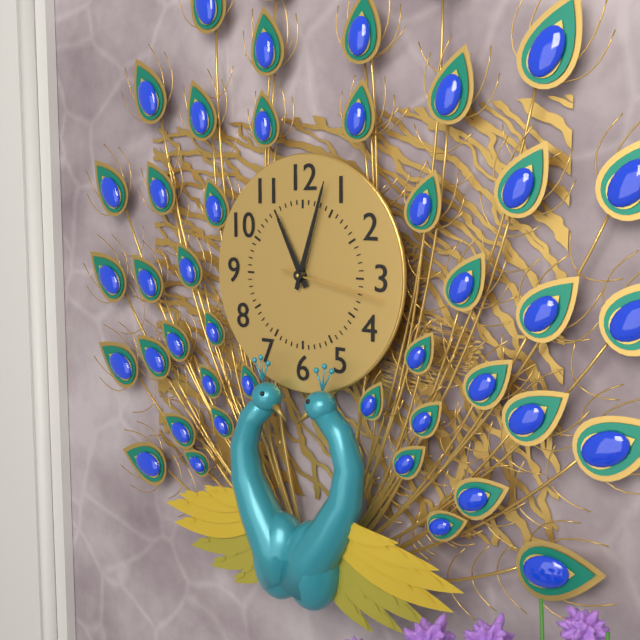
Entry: h=11 m=3 s=17
